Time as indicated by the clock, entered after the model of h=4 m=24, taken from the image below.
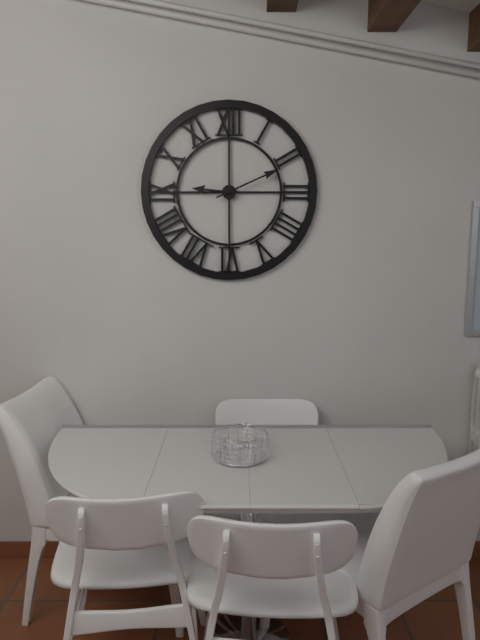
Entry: h=9 m=11
